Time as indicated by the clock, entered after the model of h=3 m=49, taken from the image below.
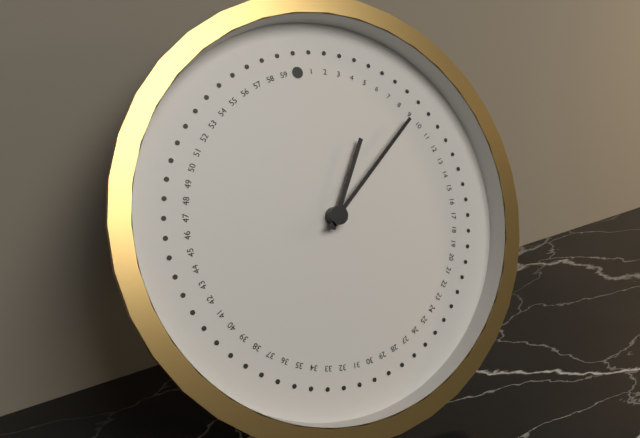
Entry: h=1 m=9
